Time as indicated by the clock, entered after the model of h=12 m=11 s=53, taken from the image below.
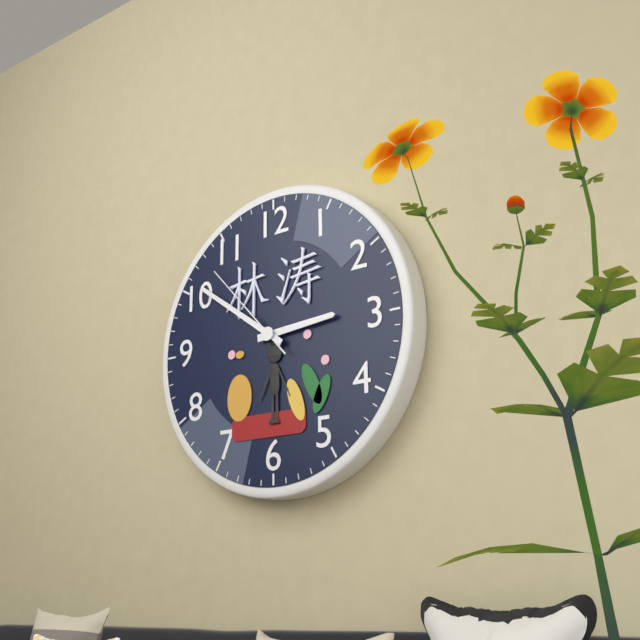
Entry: h=2 m=51 s=53
